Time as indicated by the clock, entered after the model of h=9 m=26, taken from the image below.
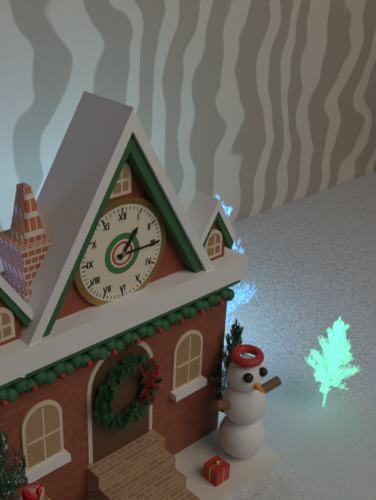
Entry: h=1 m=15
